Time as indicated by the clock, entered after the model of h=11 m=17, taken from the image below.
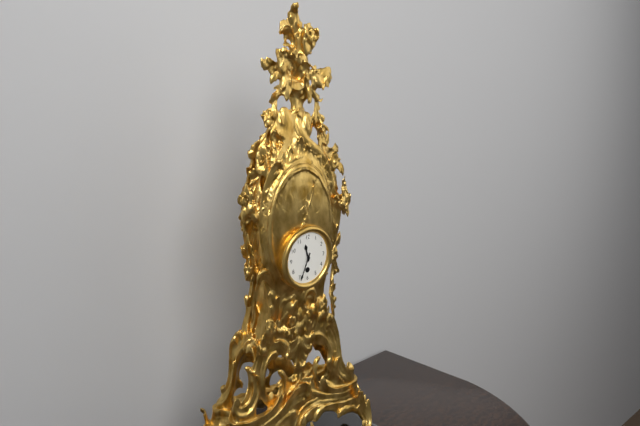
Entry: h=11 m=34
